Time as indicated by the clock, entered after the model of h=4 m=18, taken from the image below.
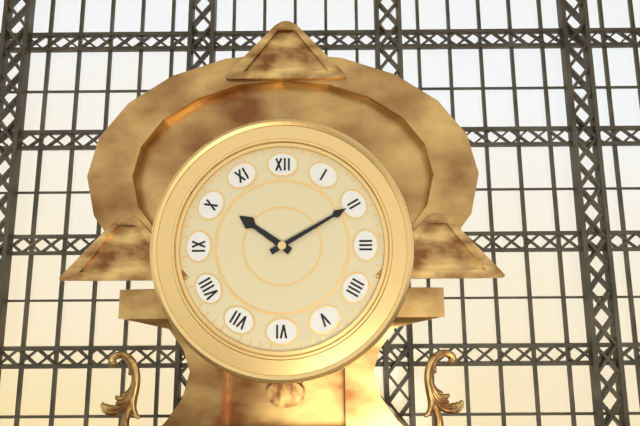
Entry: h=10 m=10
